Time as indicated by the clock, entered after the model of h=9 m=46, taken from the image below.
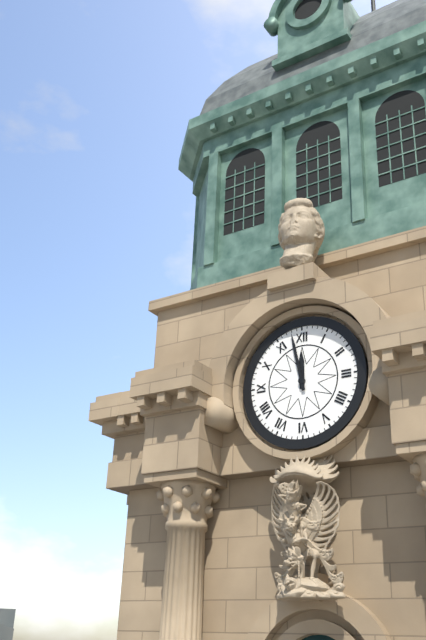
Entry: h=11 m=58
